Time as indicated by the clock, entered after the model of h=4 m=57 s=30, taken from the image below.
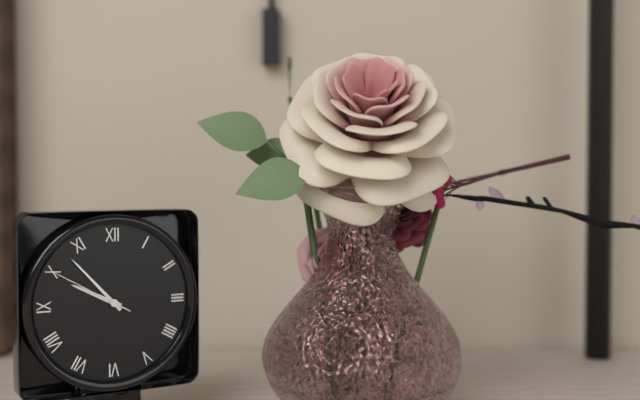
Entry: h=9 m=53 s=50
